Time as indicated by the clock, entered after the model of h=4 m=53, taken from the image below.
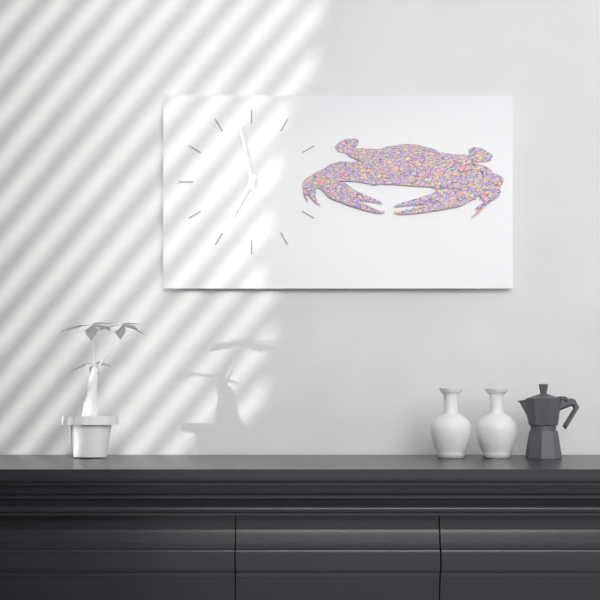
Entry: h=6 m=58
